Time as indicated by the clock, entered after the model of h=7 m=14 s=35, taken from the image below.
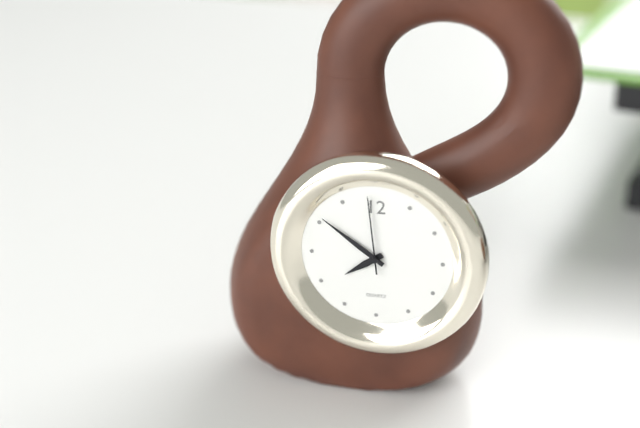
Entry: h=7 m=51 s=59
